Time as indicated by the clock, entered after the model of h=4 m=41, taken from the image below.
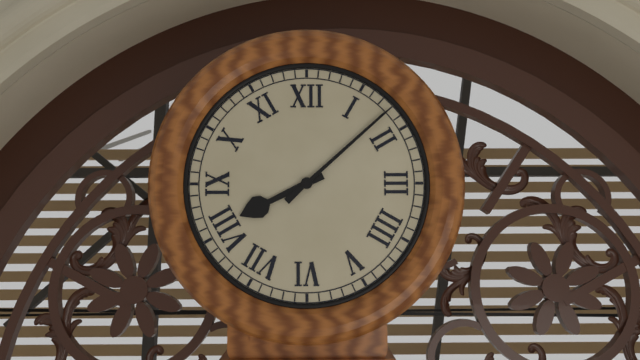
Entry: h=8 m=8
